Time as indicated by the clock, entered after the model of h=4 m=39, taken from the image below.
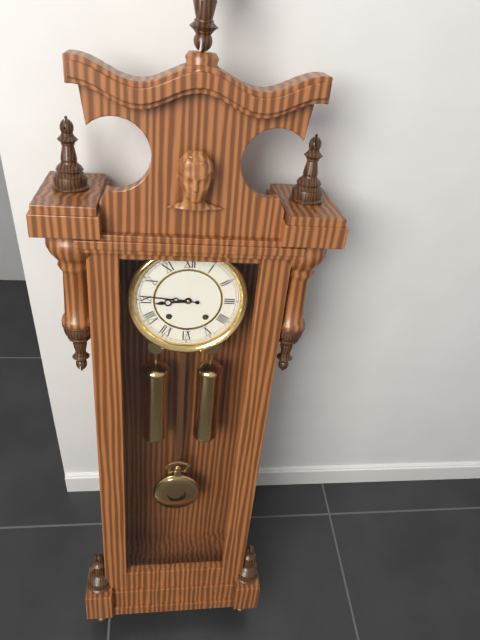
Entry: h=8 m=46
